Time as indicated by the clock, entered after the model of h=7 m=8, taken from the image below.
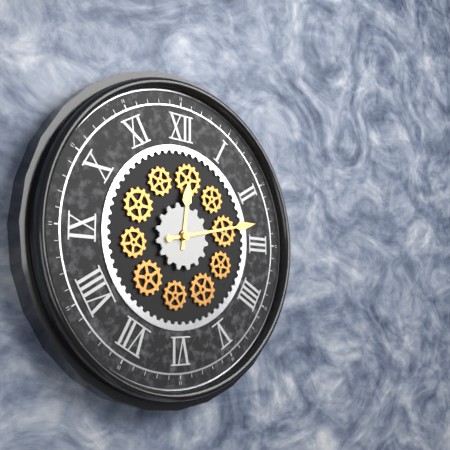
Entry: h=12 m=13
